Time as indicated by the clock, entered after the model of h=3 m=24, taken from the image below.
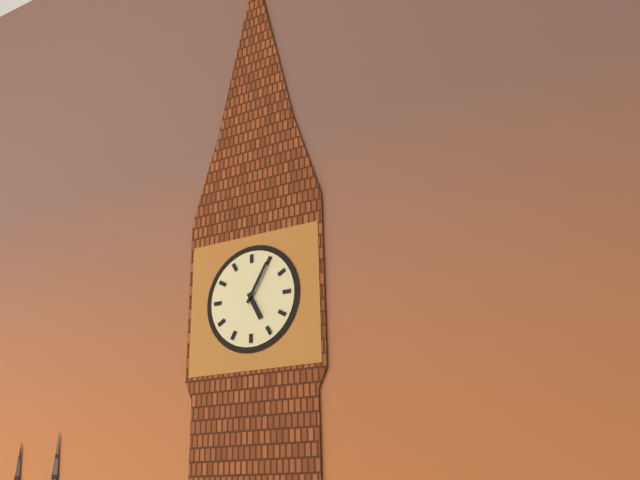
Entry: h=5 m=5
